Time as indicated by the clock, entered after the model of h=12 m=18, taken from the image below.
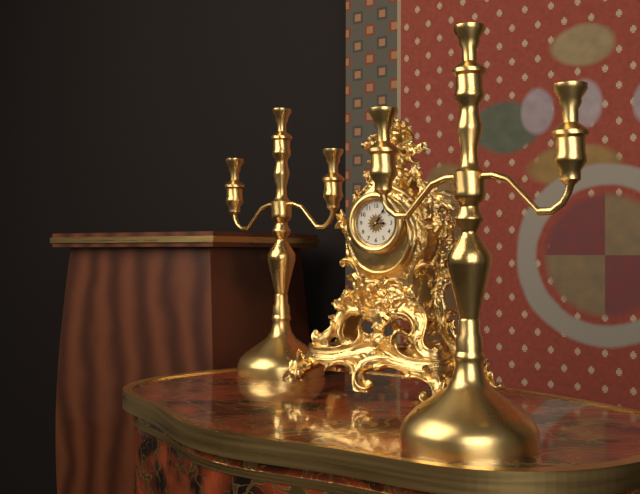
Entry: h=3 m=6
